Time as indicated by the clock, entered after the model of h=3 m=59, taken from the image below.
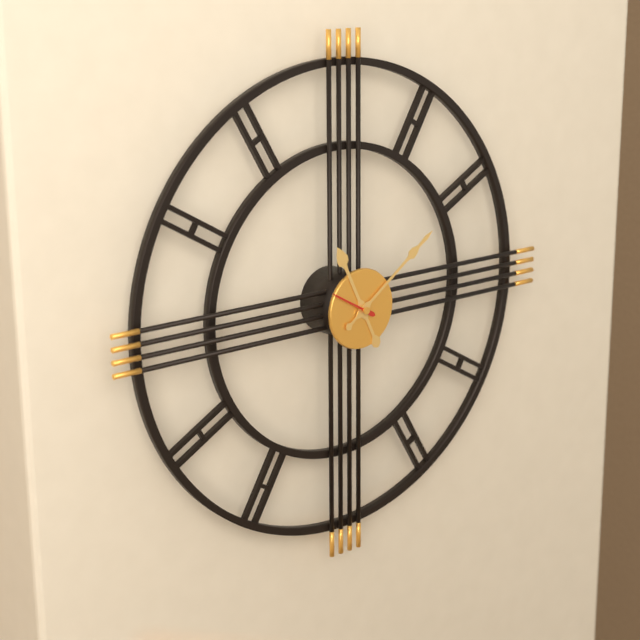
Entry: h=11 m=9
